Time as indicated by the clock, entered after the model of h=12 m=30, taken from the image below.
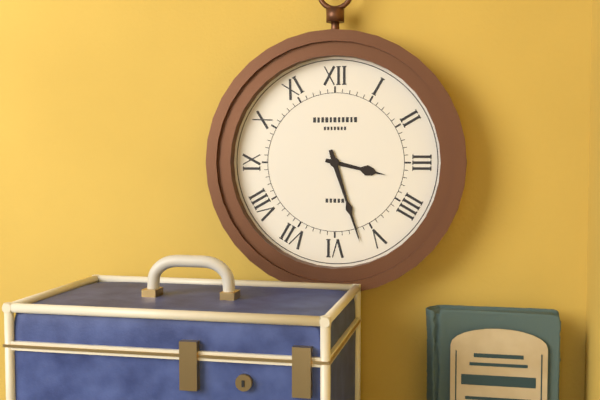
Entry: h=3 m=27
